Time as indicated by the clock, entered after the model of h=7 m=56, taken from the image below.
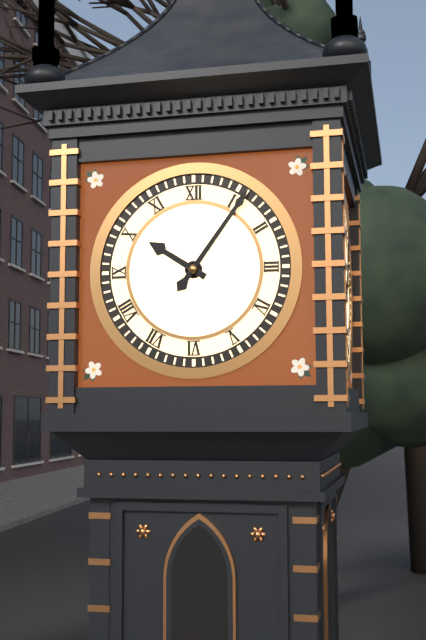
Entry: h=10 m=6
